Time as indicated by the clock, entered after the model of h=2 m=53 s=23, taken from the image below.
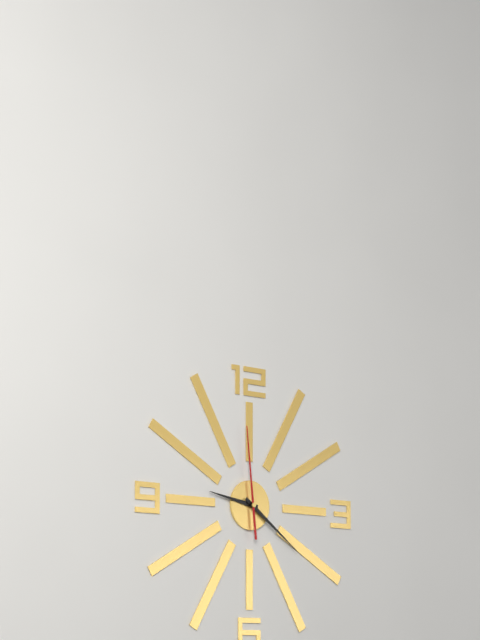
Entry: h=9 m=21 s=59
